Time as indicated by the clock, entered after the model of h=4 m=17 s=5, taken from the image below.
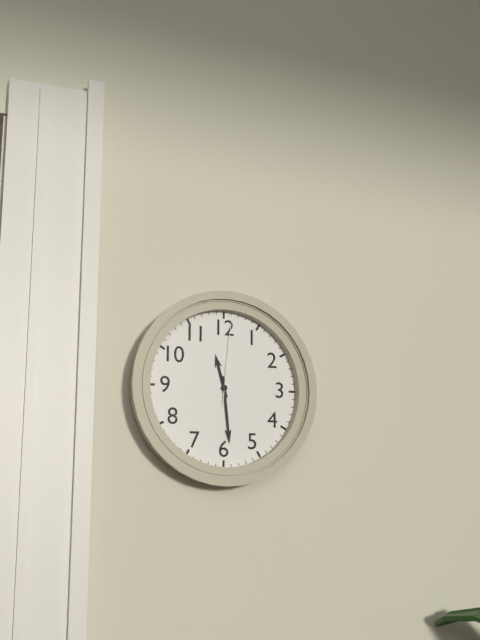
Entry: h=11 m=29 s=1
